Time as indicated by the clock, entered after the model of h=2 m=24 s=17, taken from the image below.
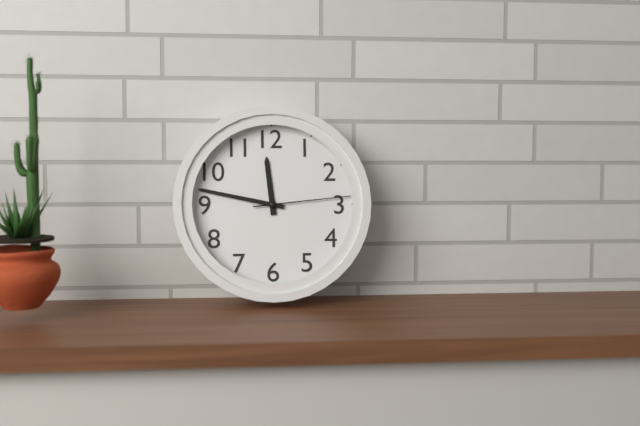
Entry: h=11 m=47 s=14
